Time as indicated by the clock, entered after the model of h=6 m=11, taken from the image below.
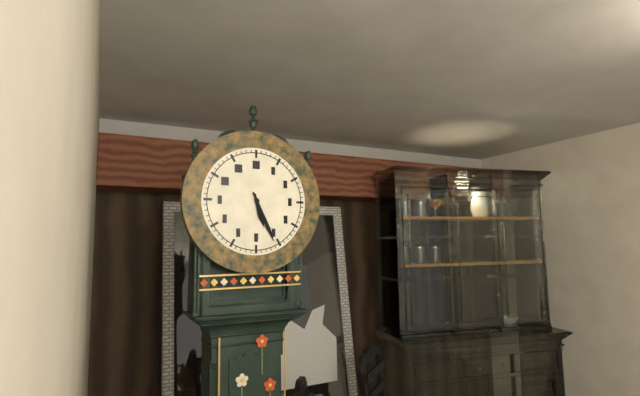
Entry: h=5 m=26
